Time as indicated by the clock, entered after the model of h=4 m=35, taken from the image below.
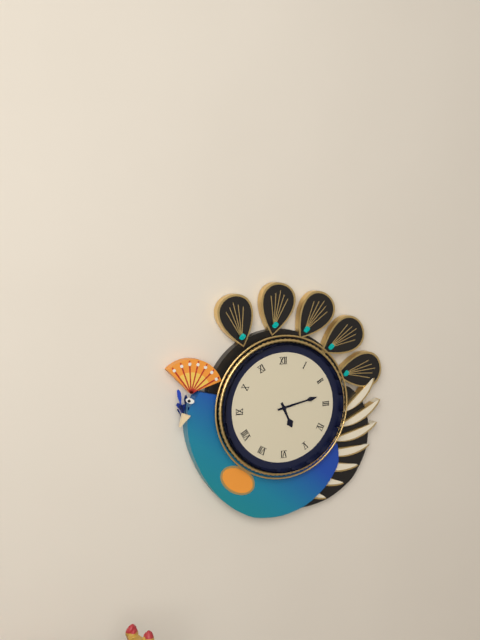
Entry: h=5 m=13
